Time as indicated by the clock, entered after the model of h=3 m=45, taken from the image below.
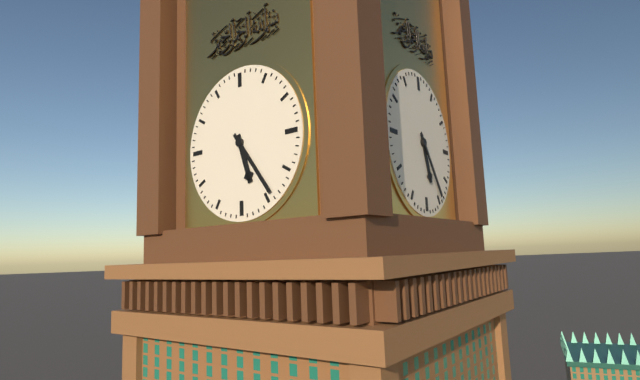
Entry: h=5 m=24
